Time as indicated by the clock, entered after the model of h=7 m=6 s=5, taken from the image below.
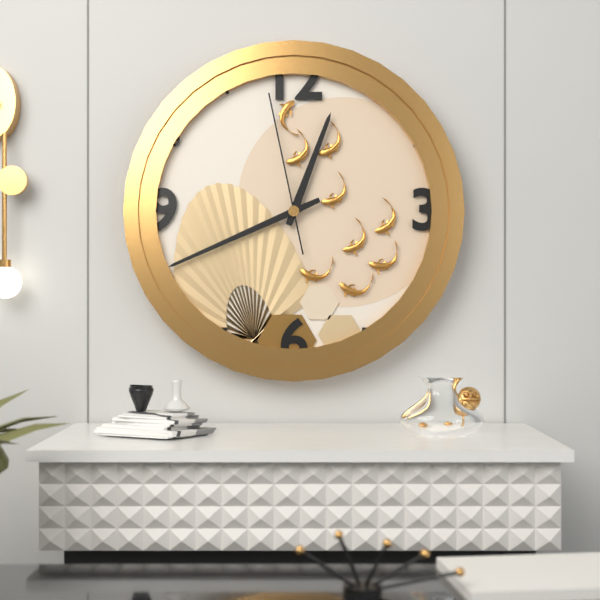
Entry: h=12 m=41 s=58
